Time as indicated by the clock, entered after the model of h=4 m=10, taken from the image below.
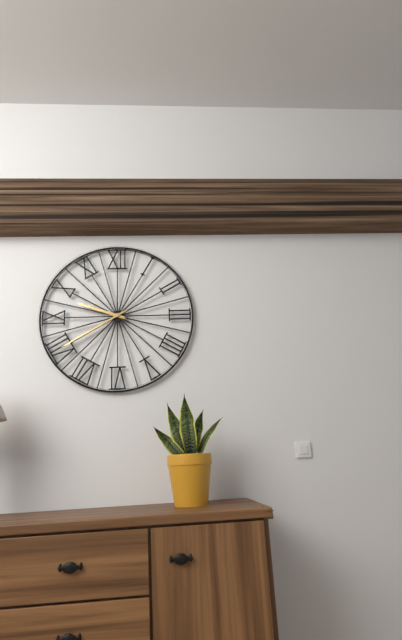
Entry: h=9 m=40
